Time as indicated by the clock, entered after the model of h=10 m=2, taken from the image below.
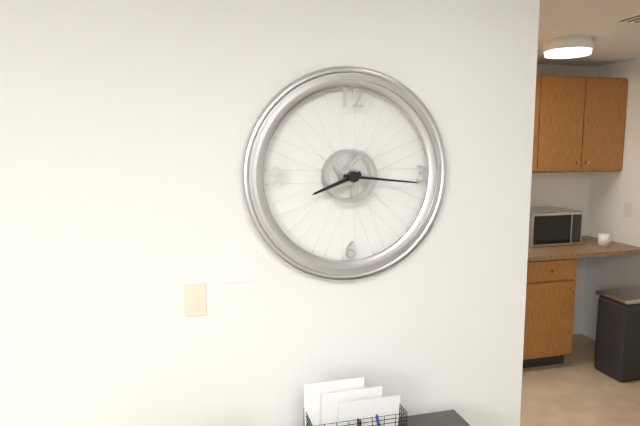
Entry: h=8 m=16
